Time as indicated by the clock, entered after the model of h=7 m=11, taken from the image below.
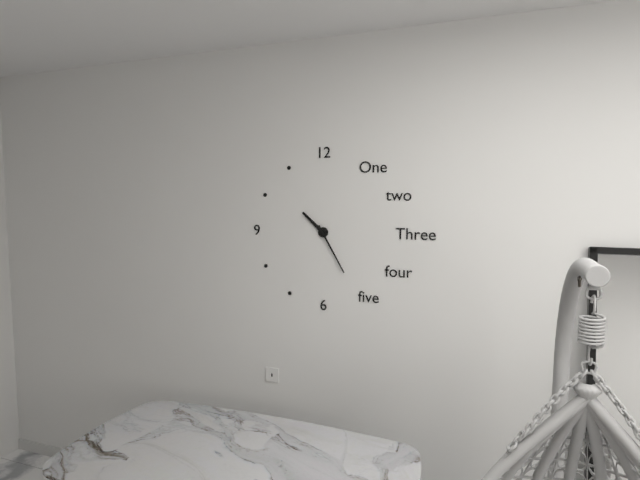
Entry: h=10 m=25
